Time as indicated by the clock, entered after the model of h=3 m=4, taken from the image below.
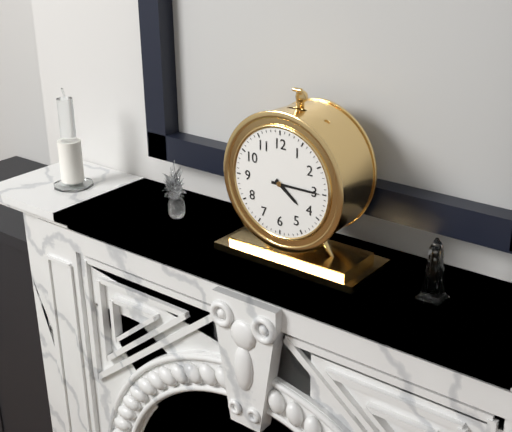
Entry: h=4 m=15
